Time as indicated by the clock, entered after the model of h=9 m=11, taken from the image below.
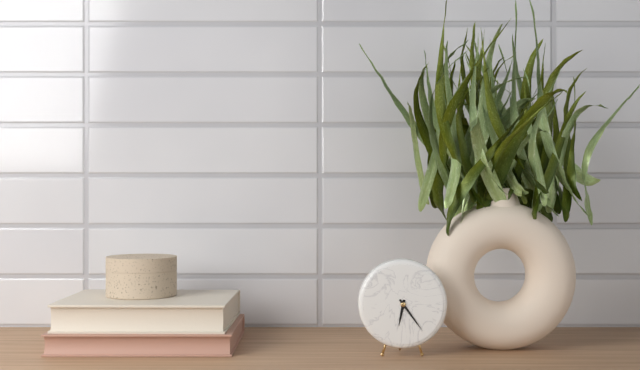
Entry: h=6 m=24
